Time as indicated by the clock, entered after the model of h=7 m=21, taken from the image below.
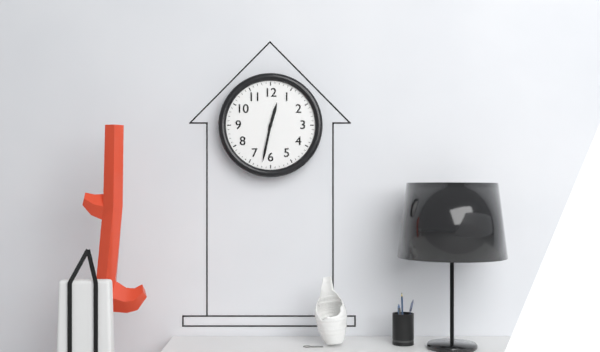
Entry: h=12 m=32
